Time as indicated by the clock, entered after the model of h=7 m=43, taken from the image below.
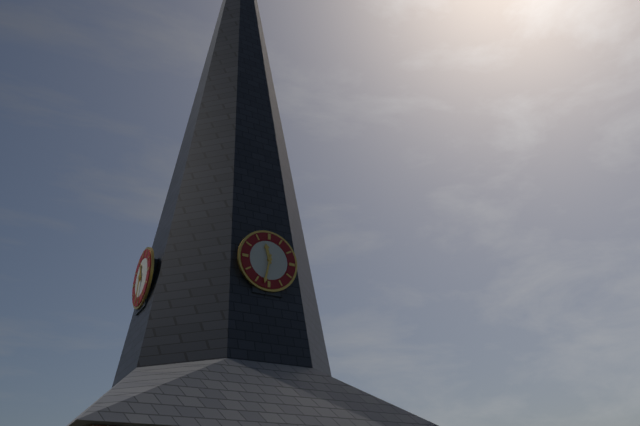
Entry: h=11 m=32
